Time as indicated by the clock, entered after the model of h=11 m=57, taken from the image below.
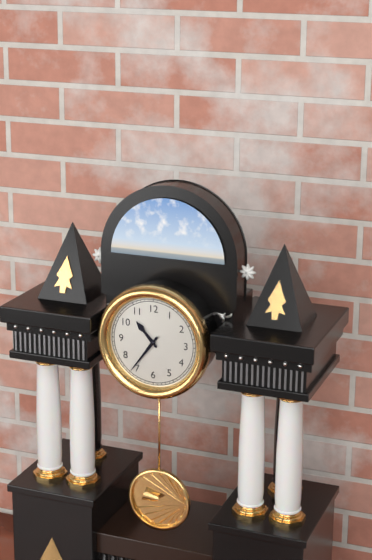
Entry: h=10 m=36
